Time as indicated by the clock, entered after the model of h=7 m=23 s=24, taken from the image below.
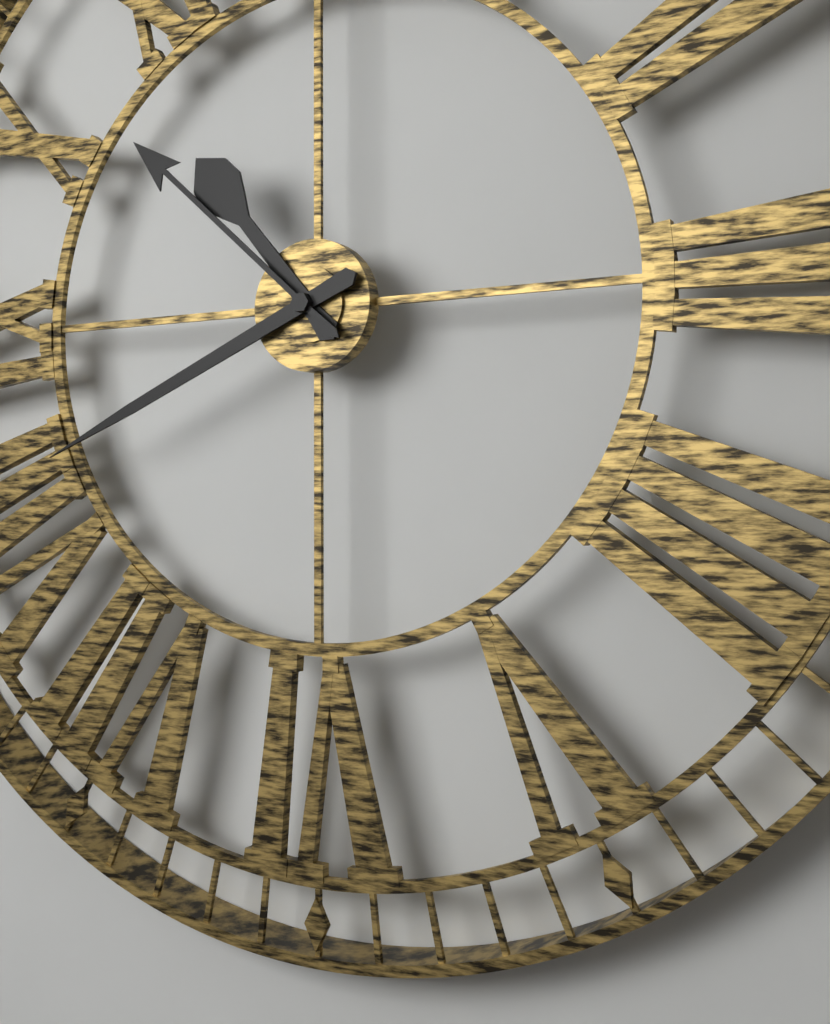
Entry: h=10 m=41 s=52
